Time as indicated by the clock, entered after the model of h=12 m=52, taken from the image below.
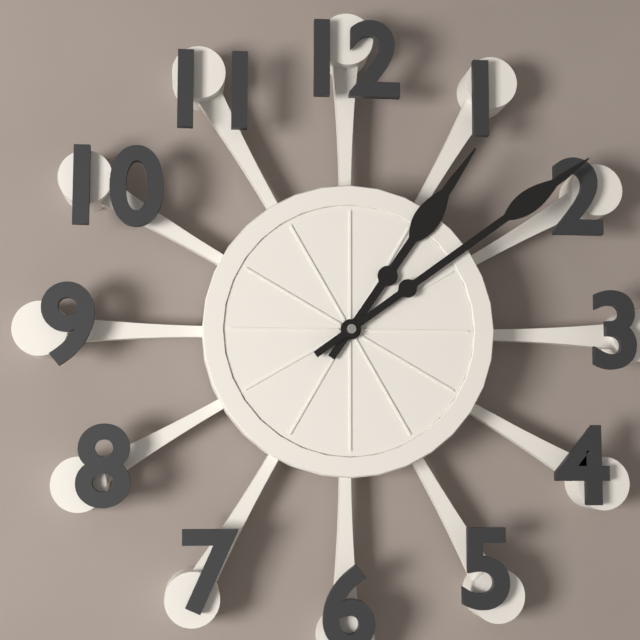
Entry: h=1 m=9
